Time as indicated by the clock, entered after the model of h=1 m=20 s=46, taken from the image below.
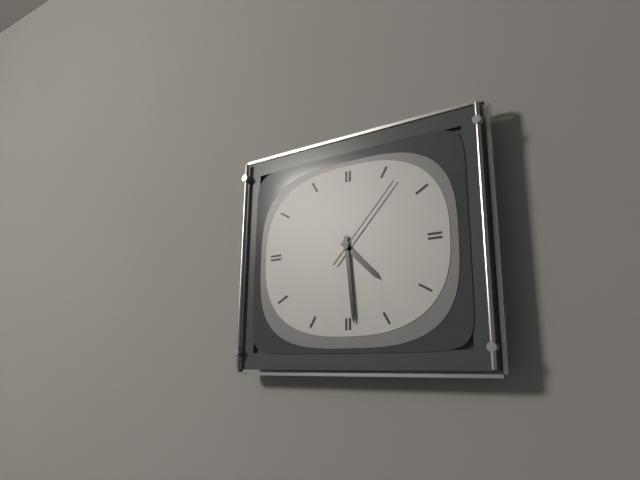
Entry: h=4 m=29 s=7
